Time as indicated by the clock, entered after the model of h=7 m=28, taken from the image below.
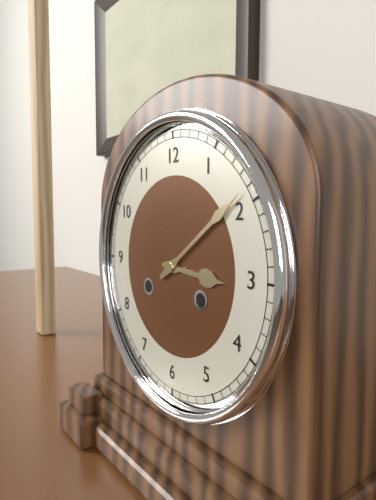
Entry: h=3 m=9
